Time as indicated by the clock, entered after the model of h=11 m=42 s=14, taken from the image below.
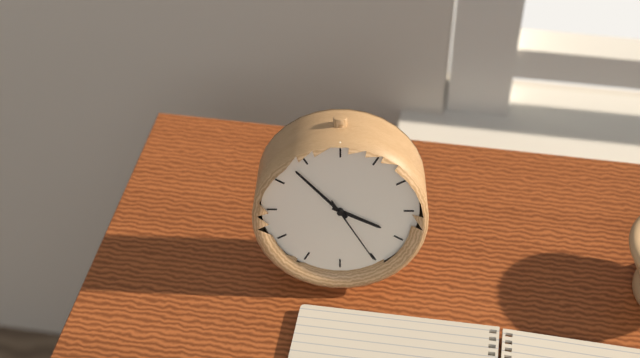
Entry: h=3 m=53 s=25
